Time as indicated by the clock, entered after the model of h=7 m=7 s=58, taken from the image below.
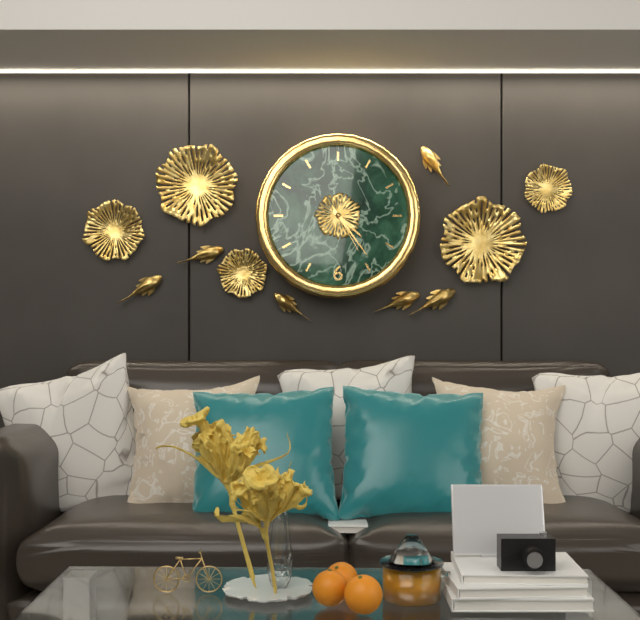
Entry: h=4 m=24 s=25
